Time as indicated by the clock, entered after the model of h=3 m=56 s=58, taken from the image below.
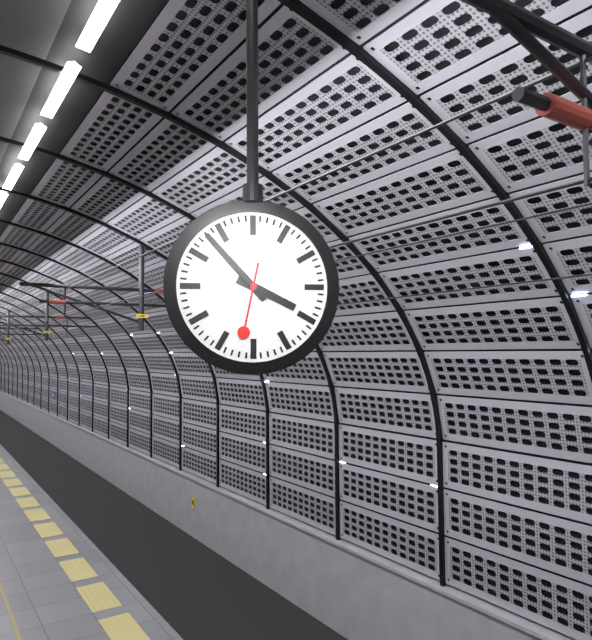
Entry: h=3 m=53 s=32
